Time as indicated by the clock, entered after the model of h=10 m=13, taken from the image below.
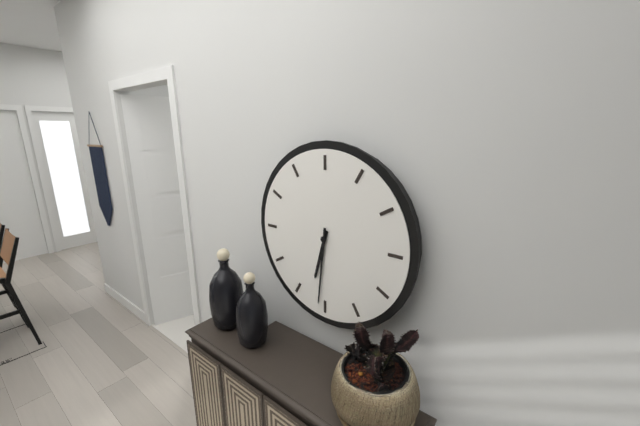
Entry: h=6 m=31
